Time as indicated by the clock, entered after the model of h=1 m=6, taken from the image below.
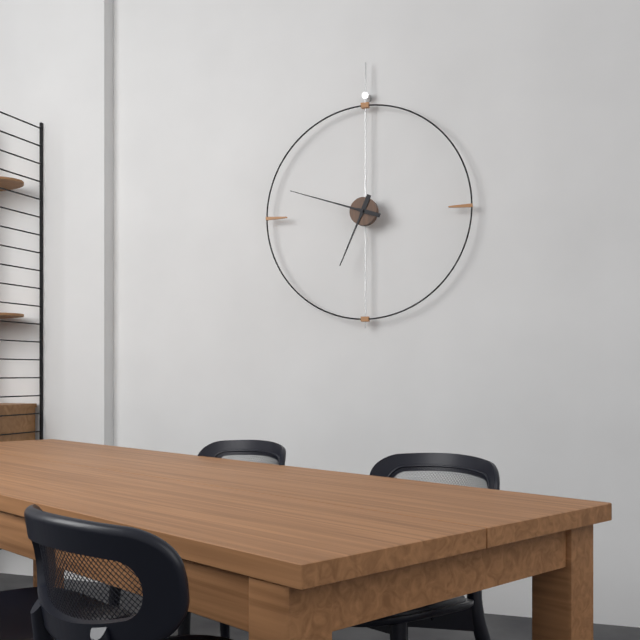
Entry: h=6 m=48
